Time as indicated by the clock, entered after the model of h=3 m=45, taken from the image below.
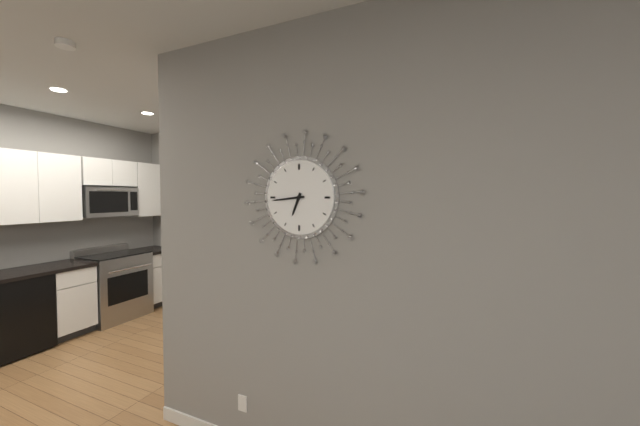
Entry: h=6 m=44
